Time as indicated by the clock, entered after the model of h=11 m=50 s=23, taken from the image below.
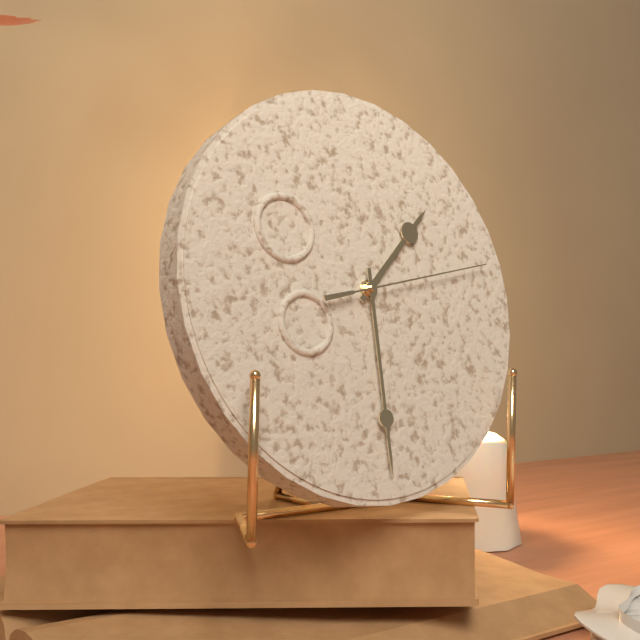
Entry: h=1 m=30 s=13
